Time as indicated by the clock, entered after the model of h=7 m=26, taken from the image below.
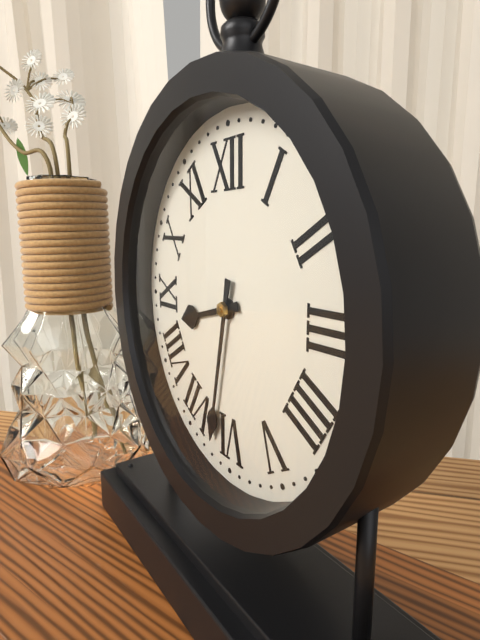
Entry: h=8 m=32
